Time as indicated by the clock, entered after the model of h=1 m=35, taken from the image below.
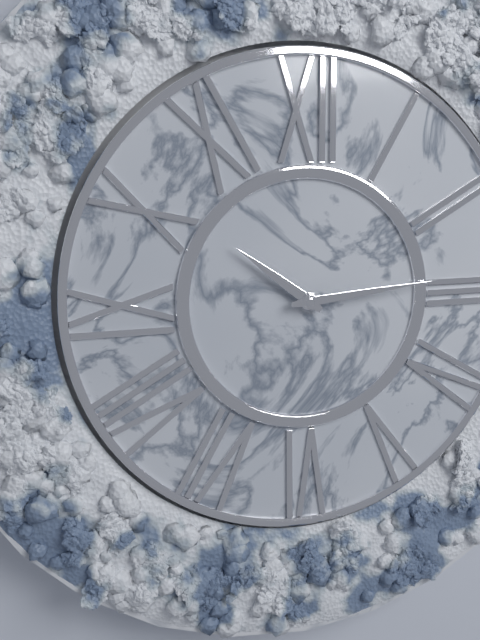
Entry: h=10 m=14
